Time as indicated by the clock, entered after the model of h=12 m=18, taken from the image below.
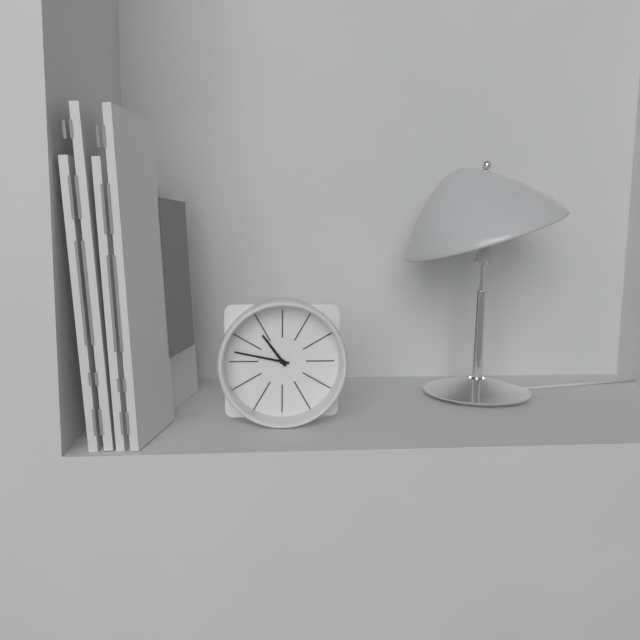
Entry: h=10 m=47
